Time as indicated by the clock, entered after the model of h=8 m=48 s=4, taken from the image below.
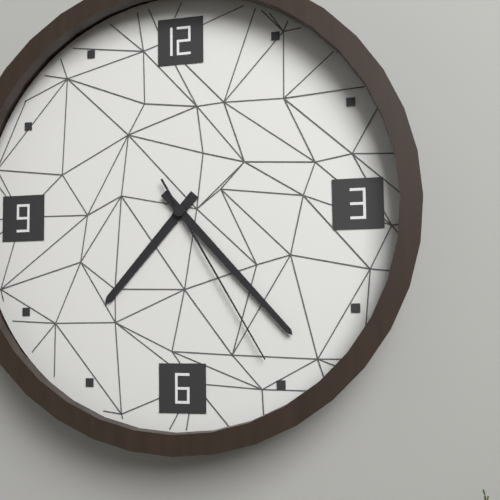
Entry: h=7 m=23 s=25
